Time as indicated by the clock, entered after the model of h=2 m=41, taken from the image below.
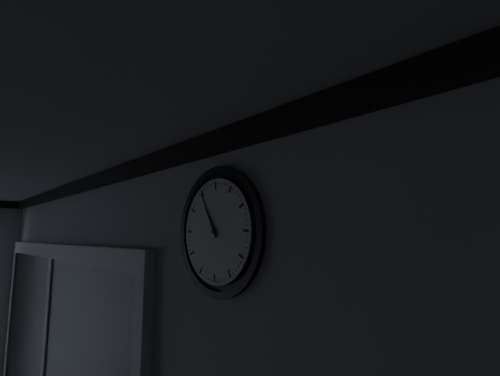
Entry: h=10 m=55
